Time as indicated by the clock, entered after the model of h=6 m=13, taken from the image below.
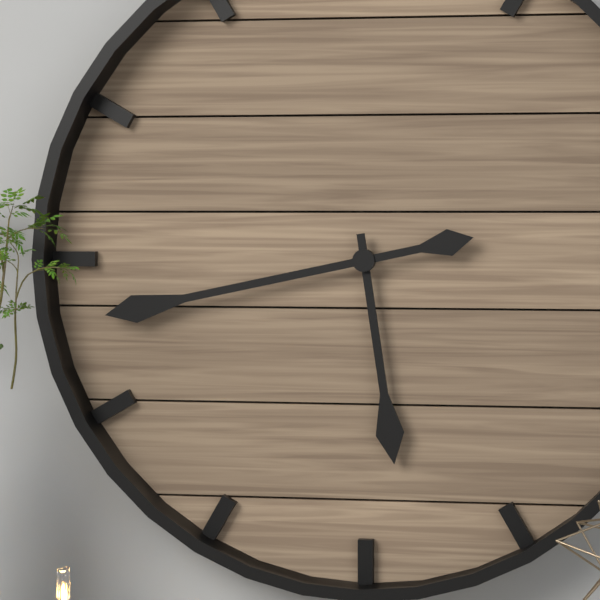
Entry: h=5 m=43
